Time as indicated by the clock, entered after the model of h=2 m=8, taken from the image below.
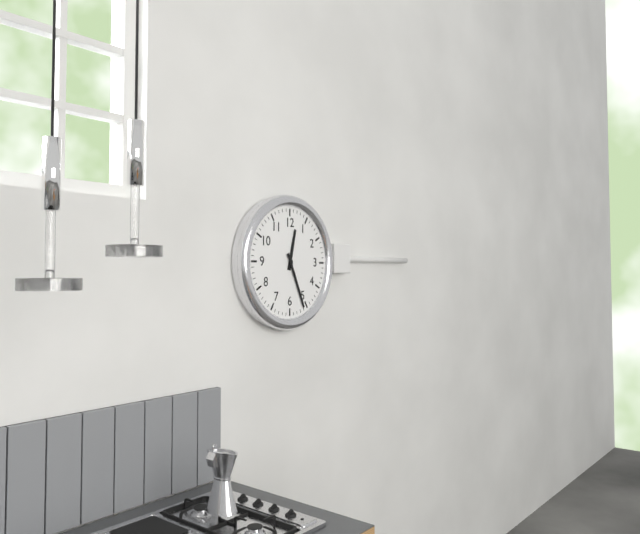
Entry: h=12 m=26
